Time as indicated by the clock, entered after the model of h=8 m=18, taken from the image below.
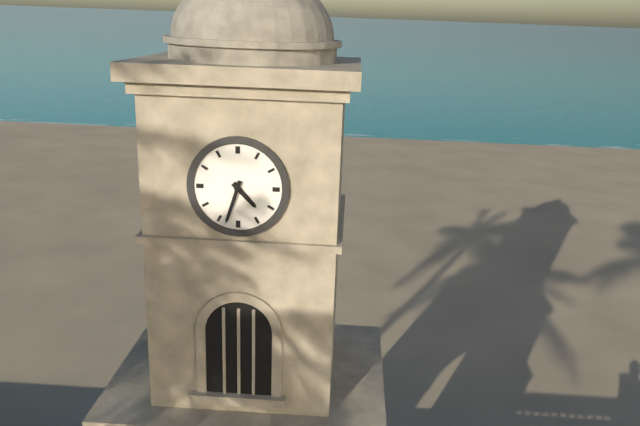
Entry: h=4 m=33
